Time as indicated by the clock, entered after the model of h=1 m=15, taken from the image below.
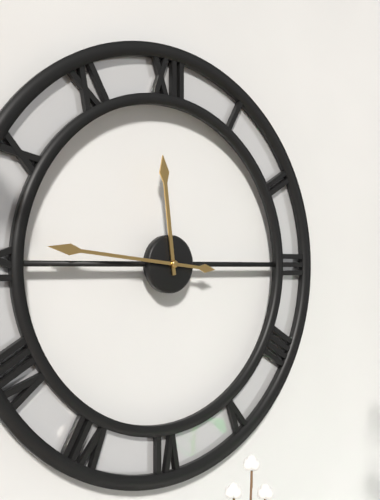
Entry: h=11 m=46
